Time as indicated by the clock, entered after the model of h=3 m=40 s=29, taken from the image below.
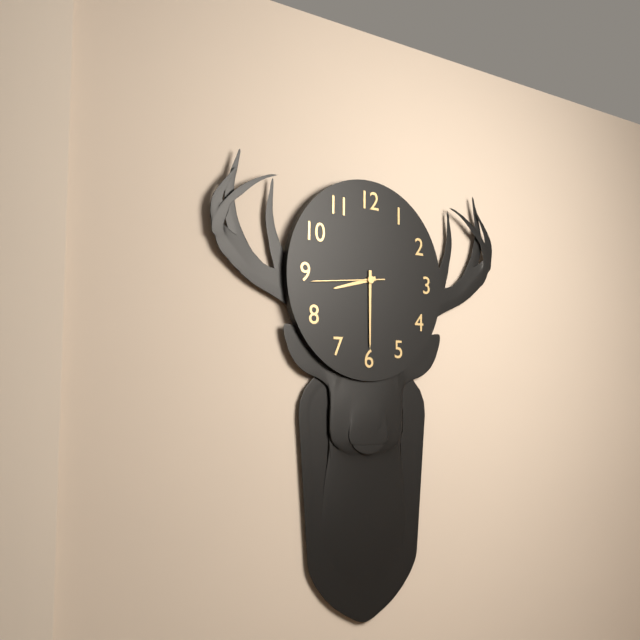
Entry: h=8 m=30 s=44
